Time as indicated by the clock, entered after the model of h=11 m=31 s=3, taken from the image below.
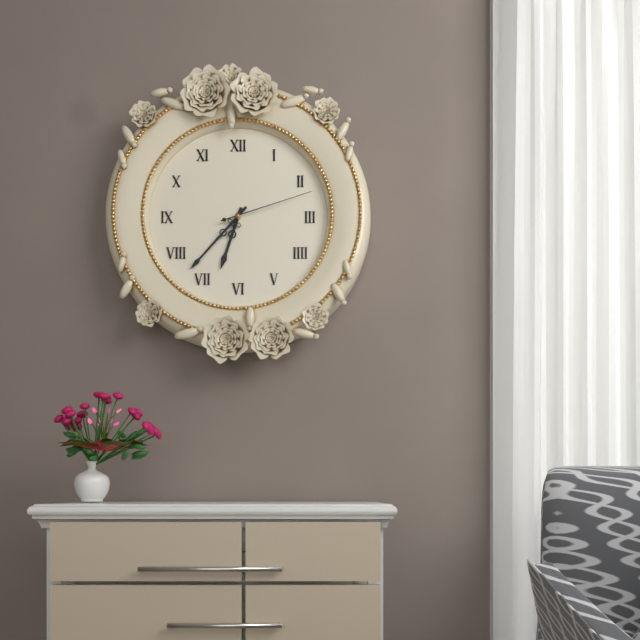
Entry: h=6 m=37 s=12
